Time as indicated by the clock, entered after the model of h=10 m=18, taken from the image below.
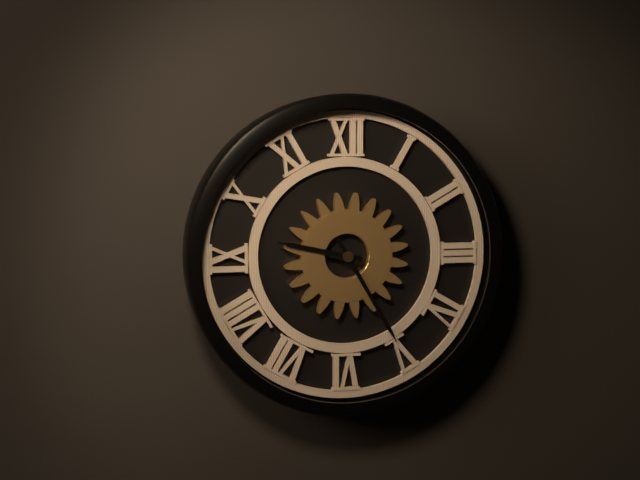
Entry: h=9 m=25
